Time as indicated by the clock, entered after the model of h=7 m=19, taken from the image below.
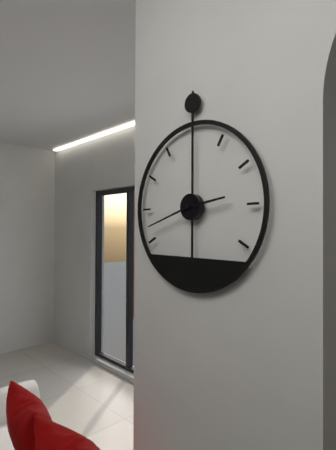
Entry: h=2 m=42
